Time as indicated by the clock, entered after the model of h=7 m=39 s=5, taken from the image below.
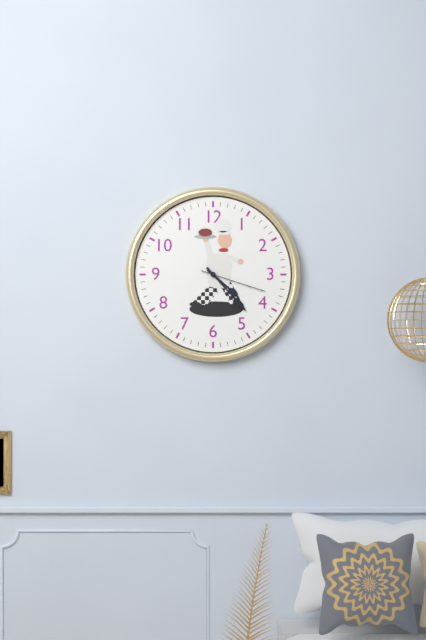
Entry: h=4 m=23 s=18
